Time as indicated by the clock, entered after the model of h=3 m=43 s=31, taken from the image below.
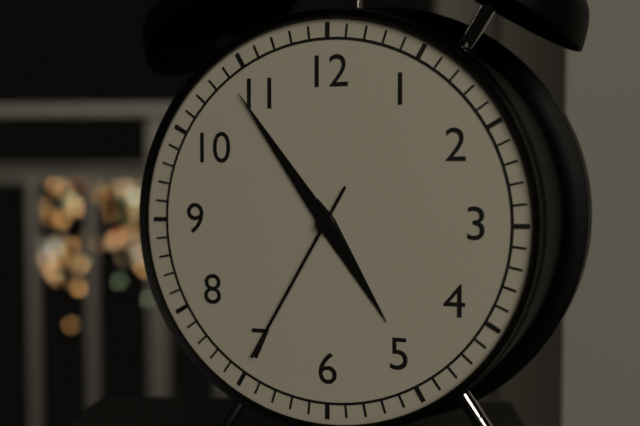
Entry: h=4 m=54 s=35
